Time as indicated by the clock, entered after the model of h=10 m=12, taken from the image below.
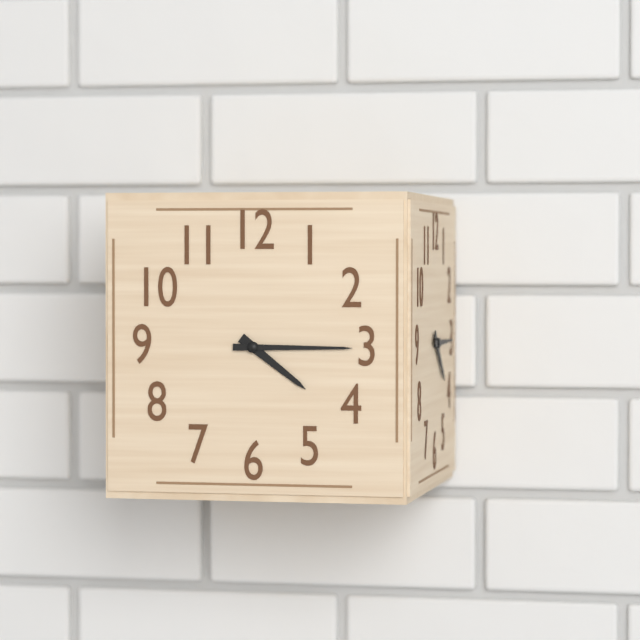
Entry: h=4 m=15
